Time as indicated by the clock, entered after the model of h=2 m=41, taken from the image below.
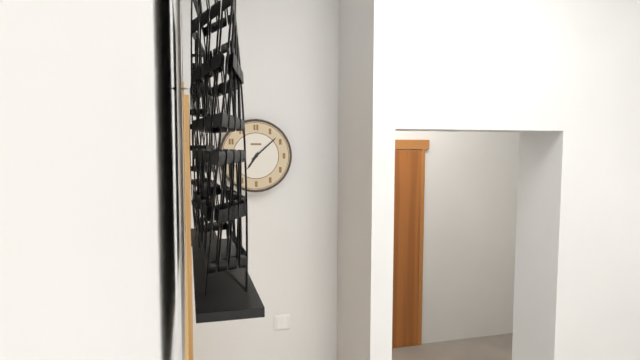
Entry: h=7 m=8
